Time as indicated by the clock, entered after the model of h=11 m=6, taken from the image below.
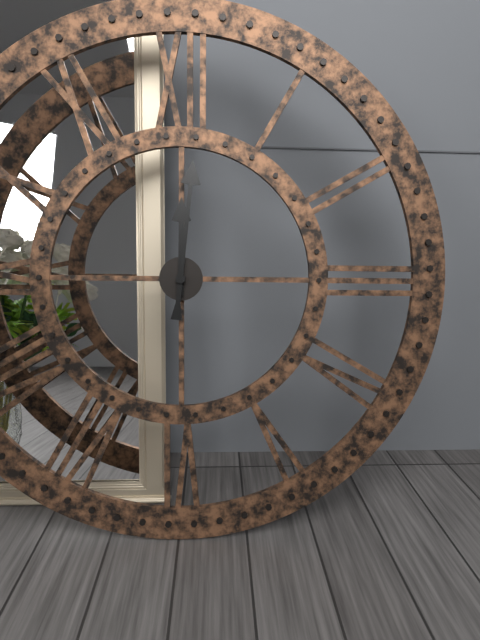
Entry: h=12 m=1
